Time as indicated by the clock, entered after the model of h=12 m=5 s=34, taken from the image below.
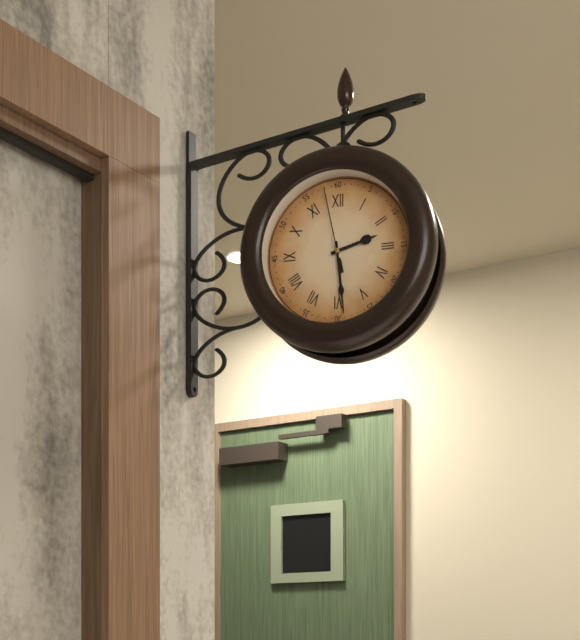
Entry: h=2 m=29 s=58
